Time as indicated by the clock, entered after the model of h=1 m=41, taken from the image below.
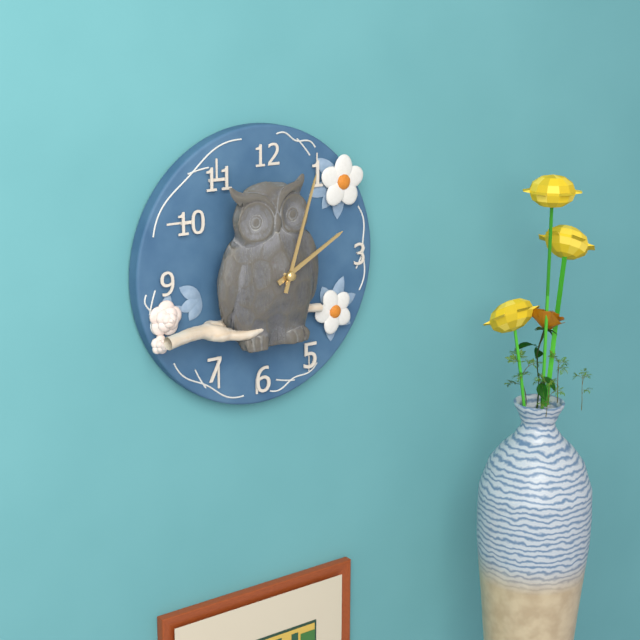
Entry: h=2 m=3
